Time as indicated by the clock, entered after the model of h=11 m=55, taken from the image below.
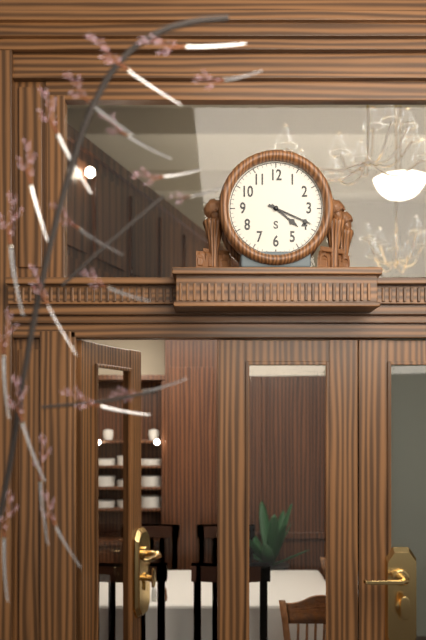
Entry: h=4 m=19
